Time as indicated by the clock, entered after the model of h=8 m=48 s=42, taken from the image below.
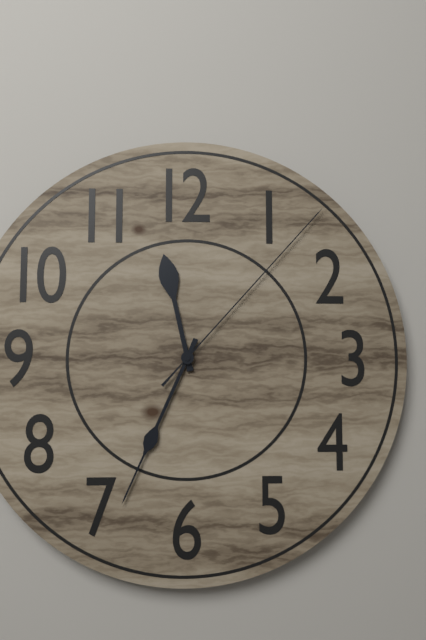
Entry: h=11 m=34 s=7
